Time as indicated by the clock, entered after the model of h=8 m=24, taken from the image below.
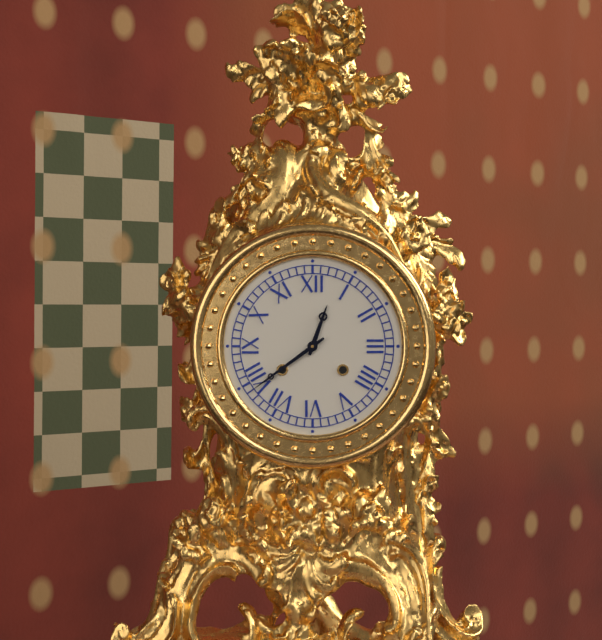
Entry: h=12 m=39
